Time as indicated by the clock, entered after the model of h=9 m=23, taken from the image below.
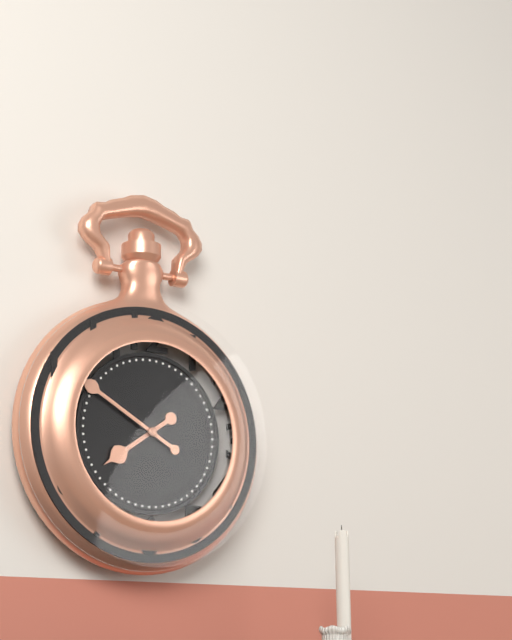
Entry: h=7 m=50
